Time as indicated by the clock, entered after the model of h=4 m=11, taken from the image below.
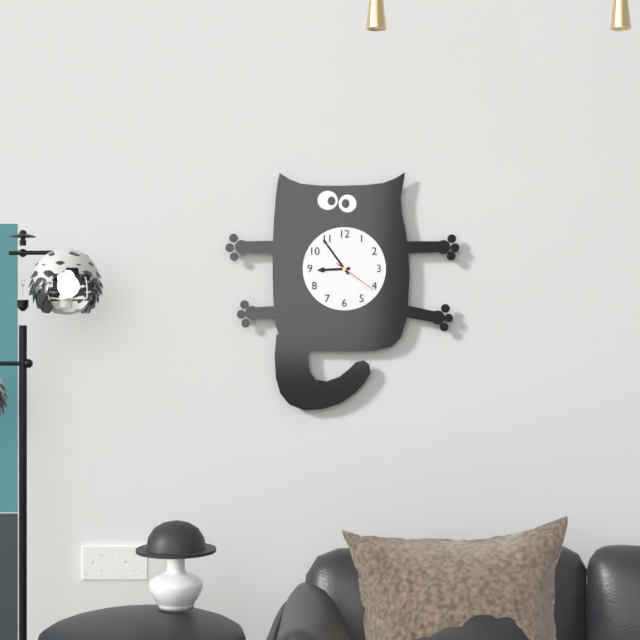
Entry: h=8 m=54
